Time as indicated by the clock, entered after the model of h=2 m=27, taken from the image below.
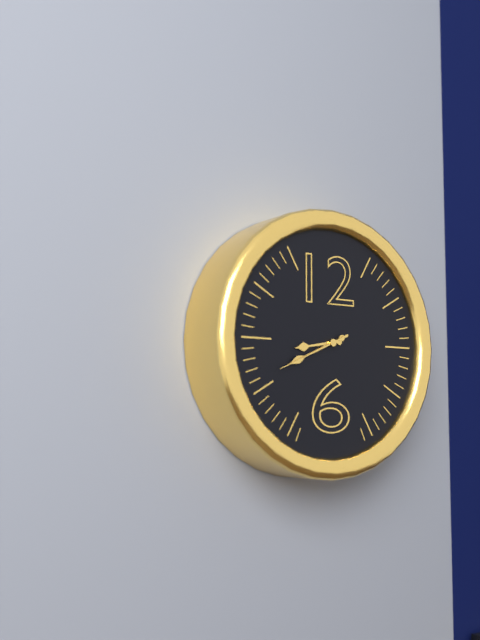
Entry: h=8 m=41
